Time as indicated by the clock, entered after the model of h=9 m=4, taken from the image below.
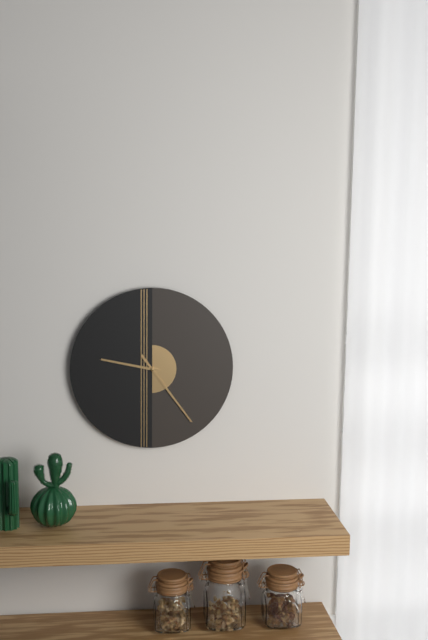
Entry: h=9 m=24
